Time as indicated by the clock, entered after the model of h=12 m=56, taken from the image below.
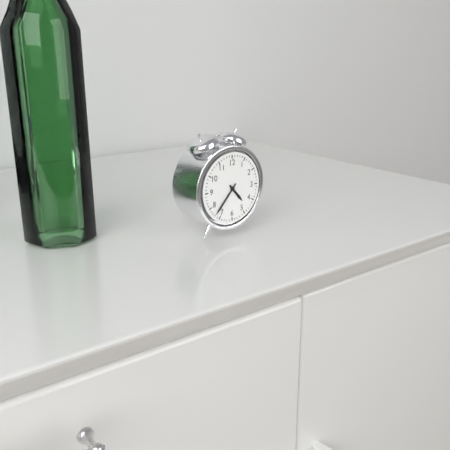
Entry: h=4 m=37
